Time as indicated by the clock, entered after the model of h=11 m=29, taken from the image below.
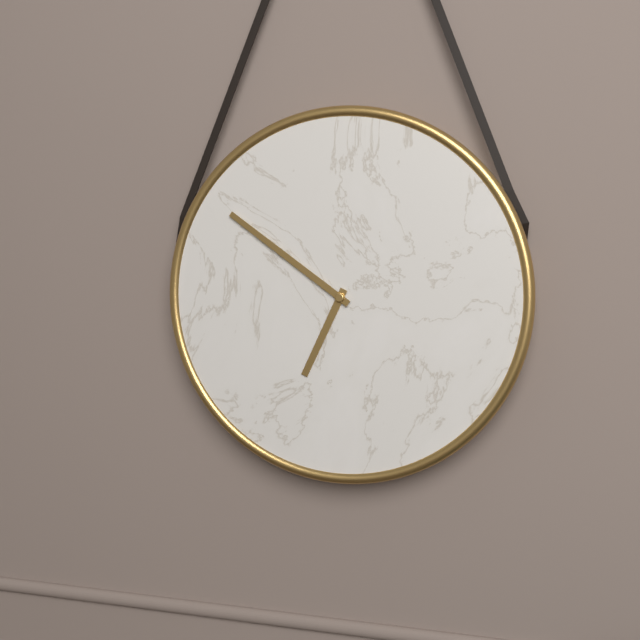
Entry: h=6 m=51
